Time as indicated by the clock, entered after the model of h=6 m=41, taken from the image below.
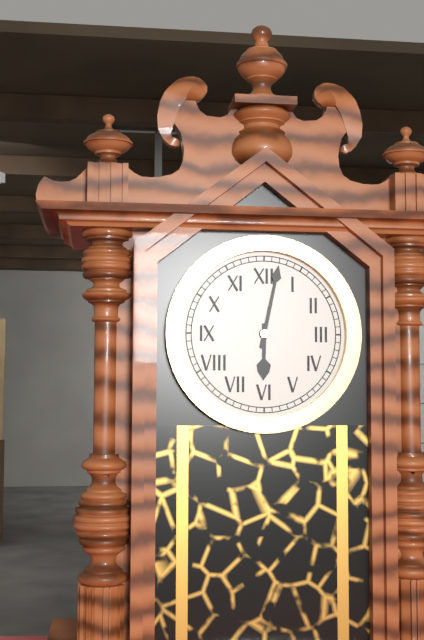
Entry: h=6 m=2
